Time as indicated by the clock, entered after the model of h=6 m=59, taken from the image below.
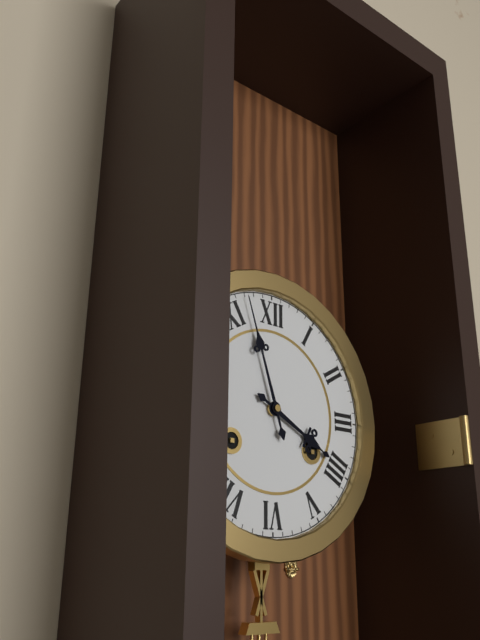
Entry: h=3 m=57
